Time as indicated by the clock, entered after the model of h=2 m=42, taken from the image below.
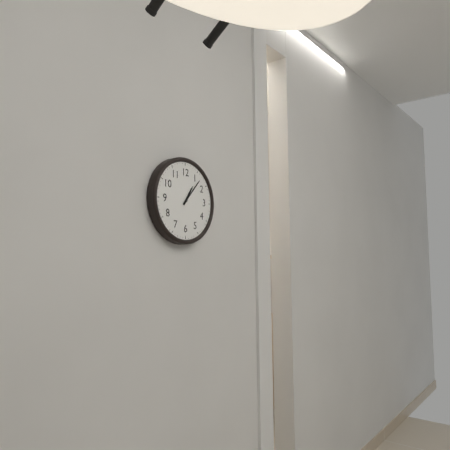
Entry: h=1 m=7
